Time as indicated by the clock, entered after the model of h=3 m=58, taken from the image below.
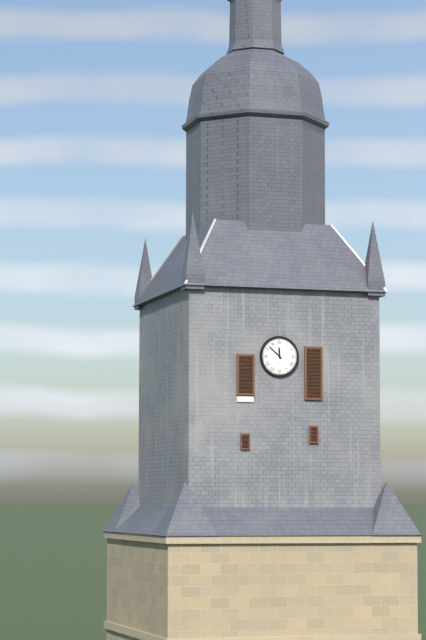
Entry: h=11 m=52
